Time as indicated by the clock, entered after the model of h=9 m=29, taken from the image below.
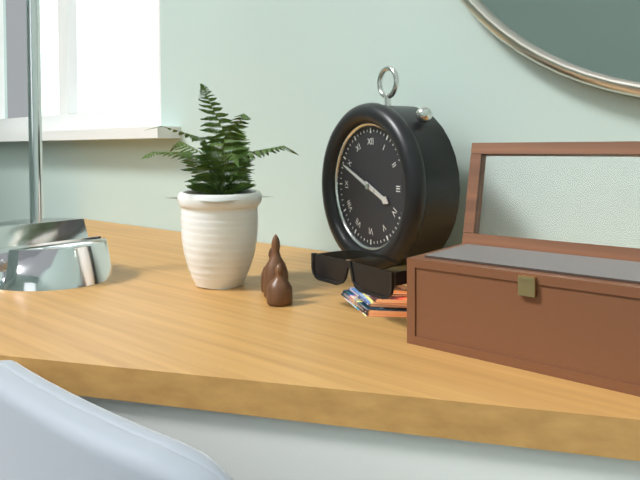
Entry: h=3 m=49
